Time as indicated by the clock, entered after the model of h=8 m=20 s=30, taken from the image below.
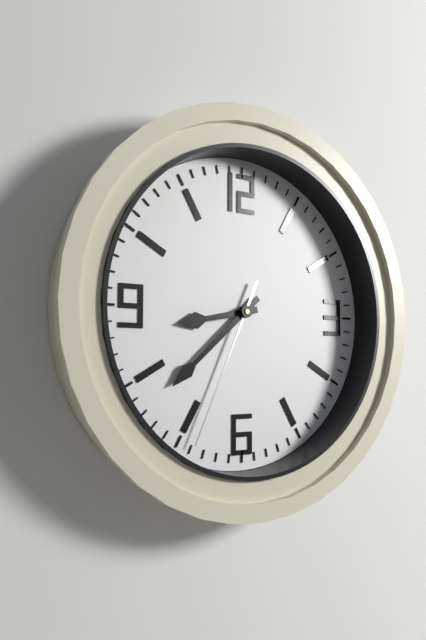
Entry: h=8 m=38 s=34
